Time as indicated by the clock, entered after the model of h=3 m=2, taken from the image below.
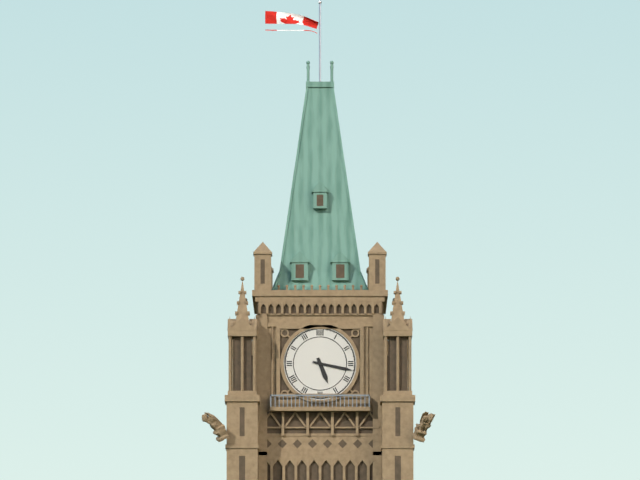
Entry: h=5 m=17
